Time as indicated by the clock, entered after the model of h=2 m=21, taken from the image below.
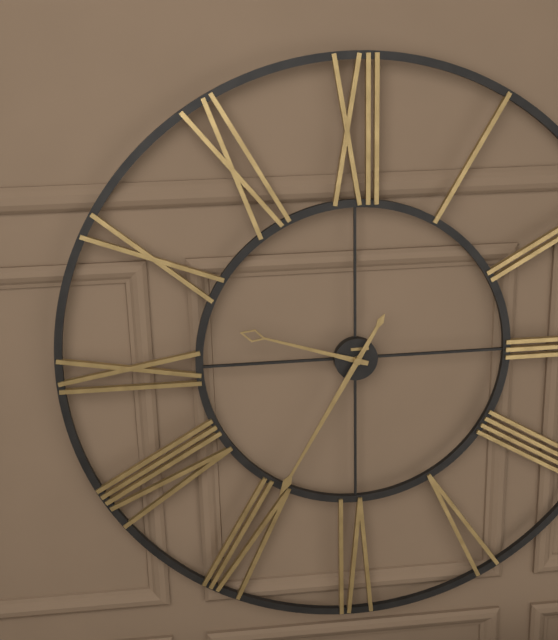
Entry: h=9 m=35
